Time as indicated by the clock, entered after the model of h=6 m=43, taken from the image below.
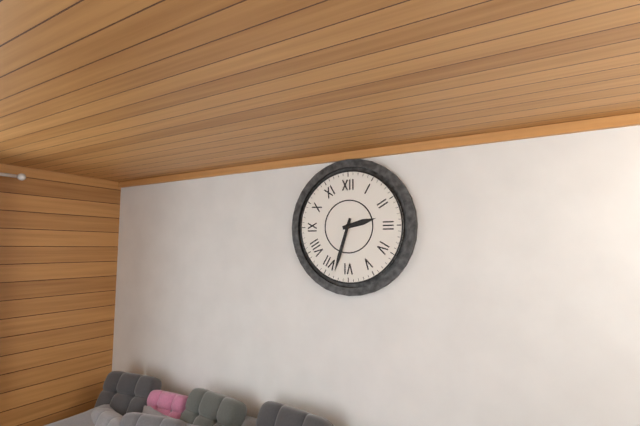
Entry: h=2 m=33
